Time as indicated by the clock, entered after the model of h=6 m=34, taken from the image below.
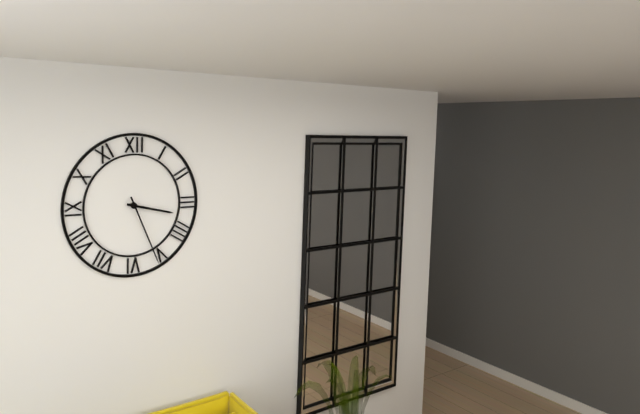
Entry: h=3 m=26
